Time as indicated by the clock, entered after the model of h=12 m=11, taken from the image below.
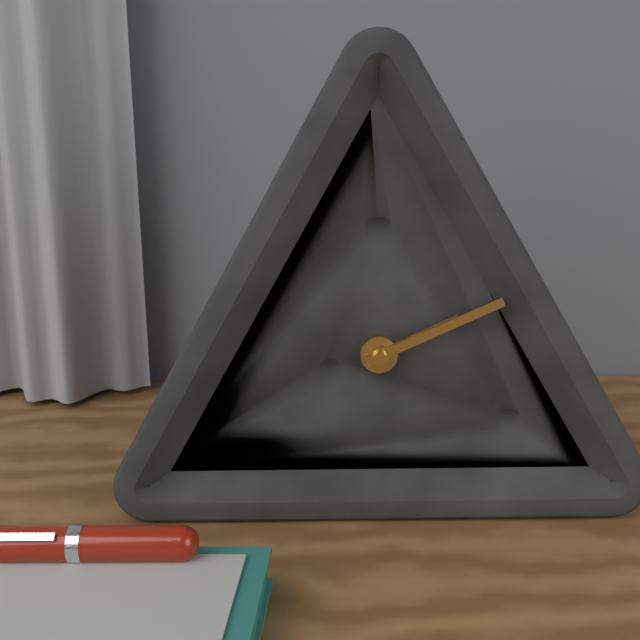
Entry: h=2 m=11
